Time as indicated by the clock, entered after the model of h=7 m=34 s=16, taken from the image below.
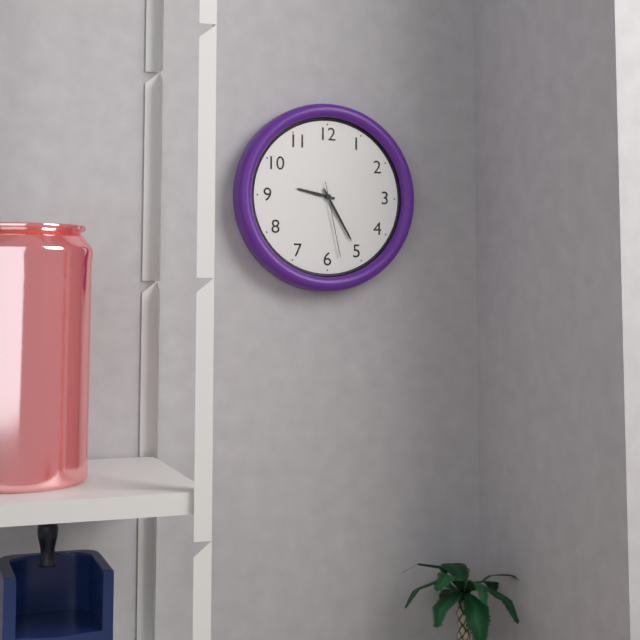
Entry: h=9 m=25 s=28
